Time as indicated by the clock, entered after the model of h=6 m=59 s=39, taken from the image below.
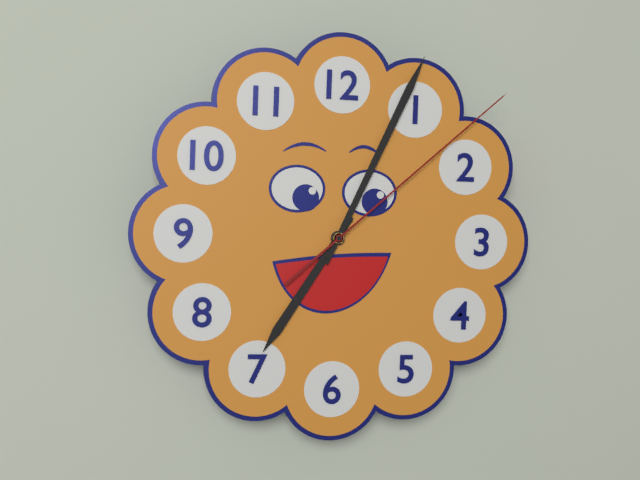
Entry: h=7 m=4 s=8
